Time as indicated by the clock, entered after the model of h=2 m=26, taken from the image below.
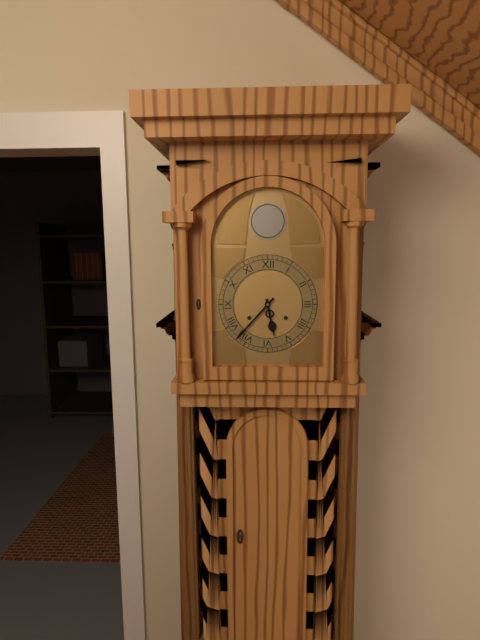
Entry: h=5 m=37
